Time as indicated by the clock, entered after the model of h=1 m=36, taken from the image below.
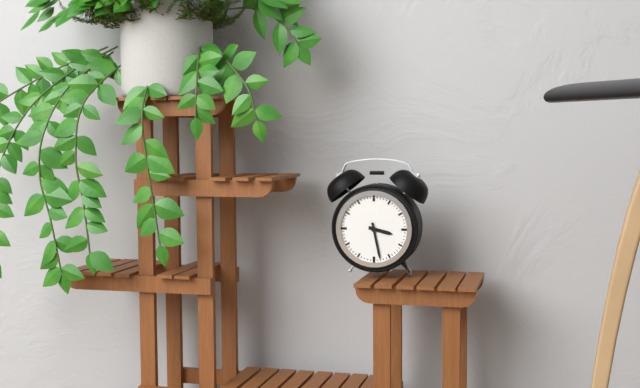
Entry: h=3 m=28
